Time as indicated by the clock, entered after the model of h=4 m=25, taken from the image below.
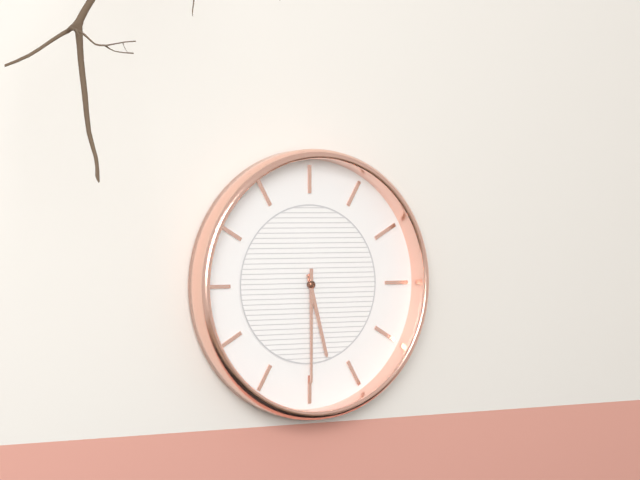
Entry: h=5 m=30
